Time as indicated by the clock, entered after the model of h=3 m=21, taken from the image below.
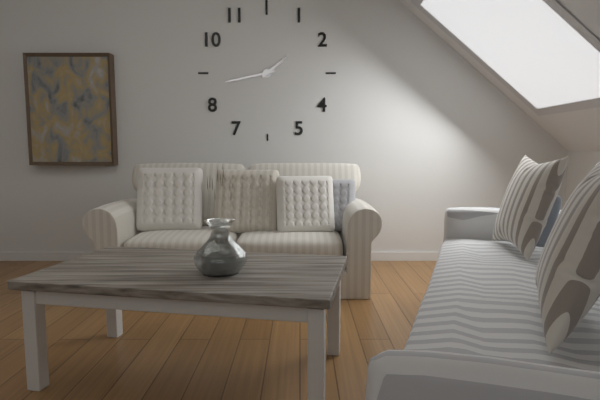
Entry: h=1 m=43
